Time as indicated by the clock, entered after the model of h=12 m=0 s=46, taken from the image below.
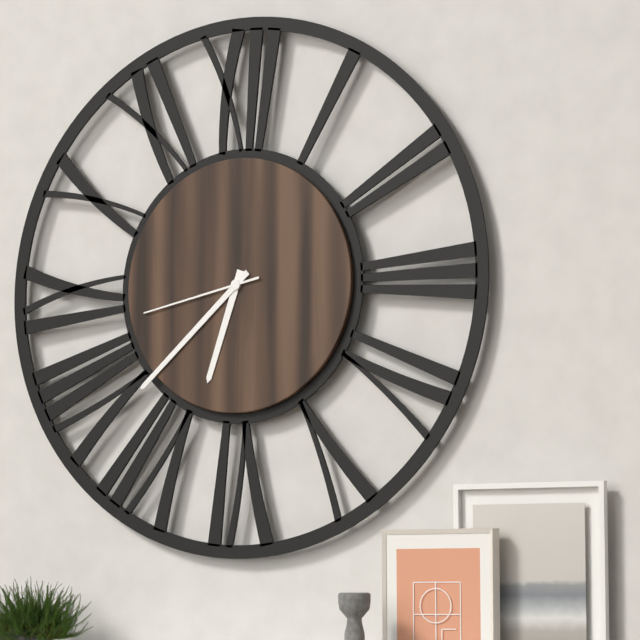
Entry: h=6 m=38 s=43
